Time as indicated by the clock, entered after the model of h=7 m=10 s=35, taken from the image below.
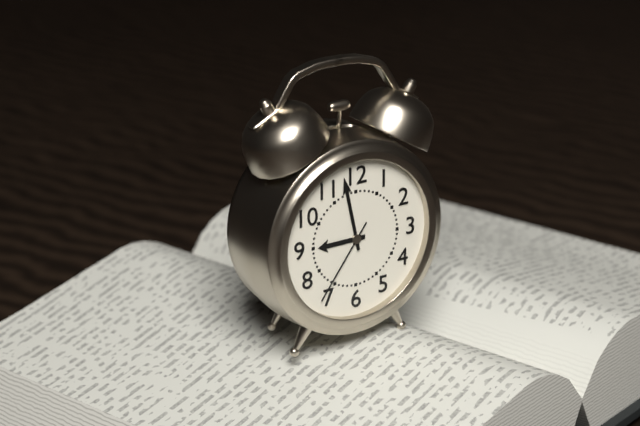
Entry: h=8 m=58 s=36
